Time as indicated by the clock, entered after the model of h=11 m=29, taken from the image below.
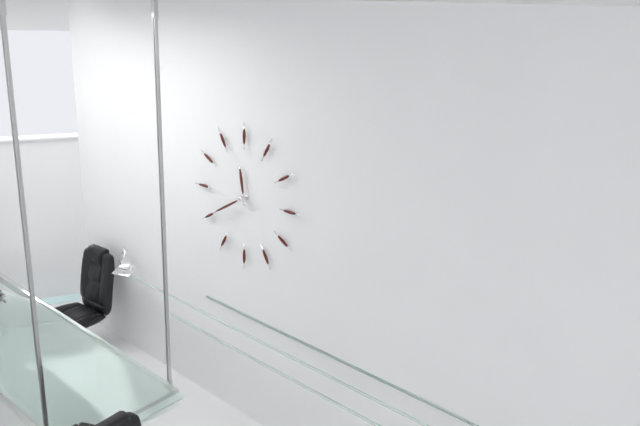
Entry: h=11 m=40
